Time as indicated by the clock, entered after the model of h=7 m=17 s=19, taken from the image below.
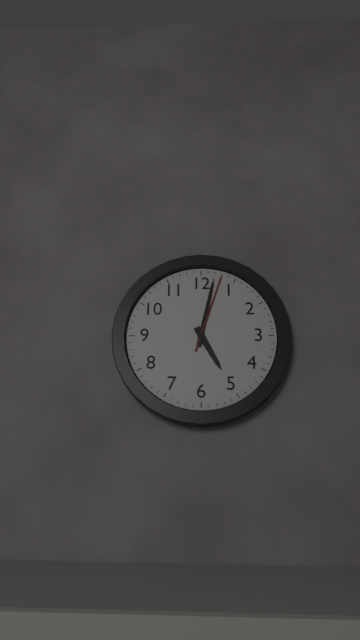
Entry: h=5 m=2 s=3
